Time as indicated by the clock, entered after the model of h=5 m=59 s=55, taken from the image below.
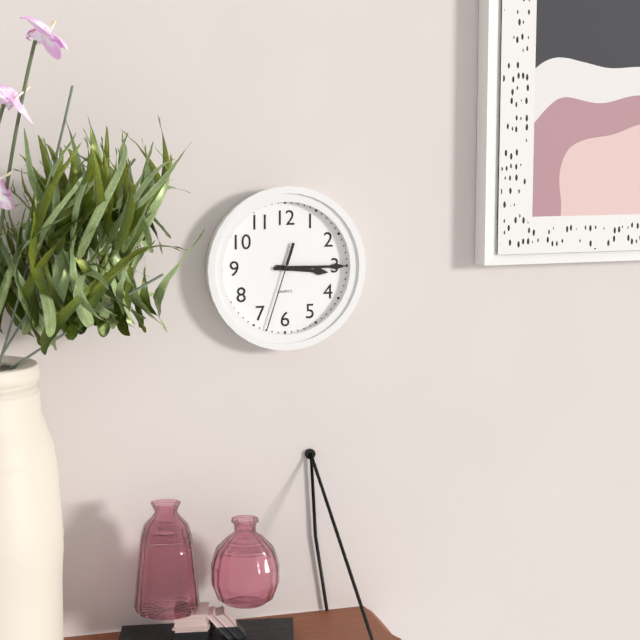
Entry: h=3 m=15 s=33
